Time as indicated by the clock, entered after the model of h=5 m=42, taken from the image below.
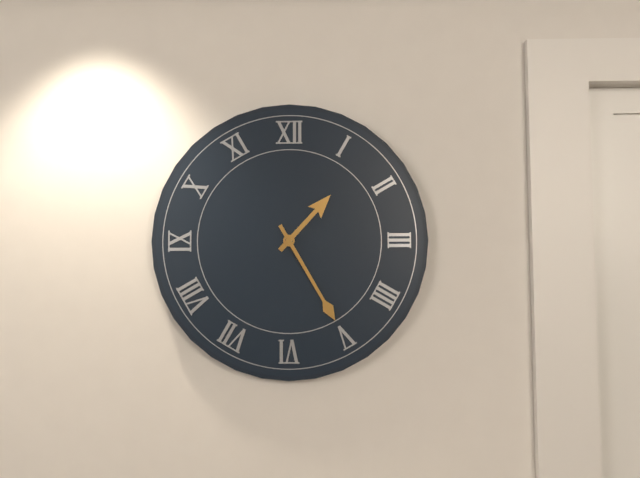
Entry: h=1 m=25
